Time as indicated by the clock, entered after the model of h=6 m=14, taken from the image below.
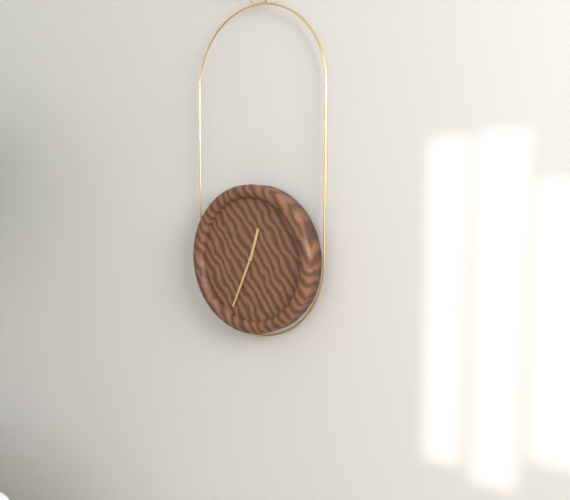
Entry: h=12 m=34
